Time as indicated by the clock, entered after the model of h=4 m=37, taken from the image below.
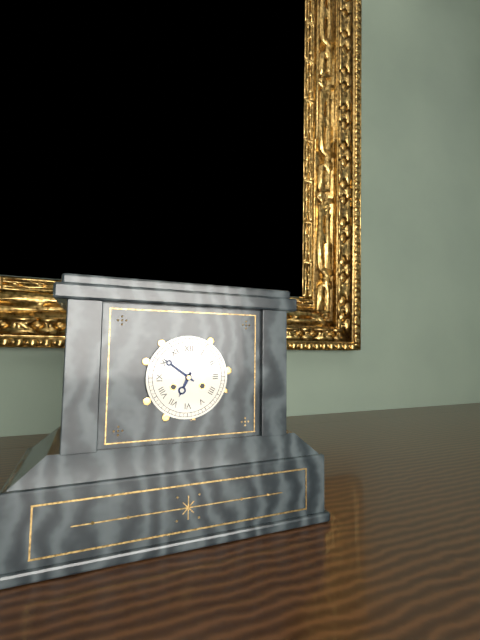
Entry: h=6 m=51
